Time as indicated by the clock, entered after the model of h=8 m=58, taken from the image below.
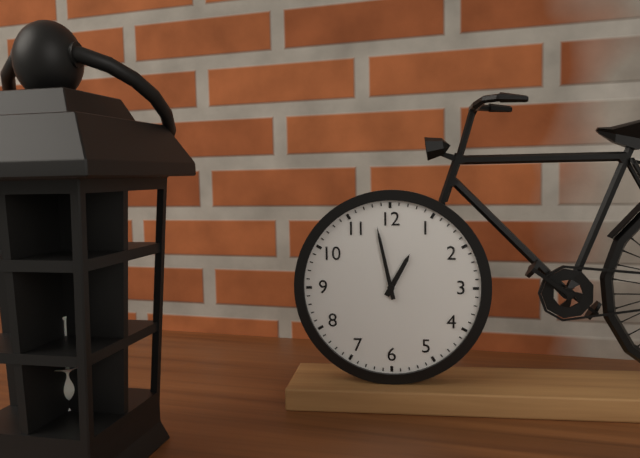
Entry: h=12 m=58
